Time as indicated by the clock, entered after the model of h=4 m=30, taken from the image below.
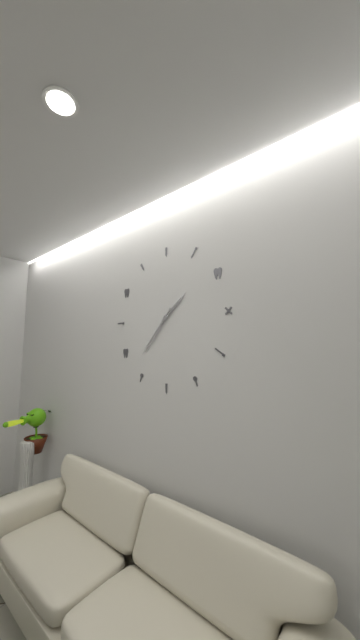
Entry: h=1 m=37
